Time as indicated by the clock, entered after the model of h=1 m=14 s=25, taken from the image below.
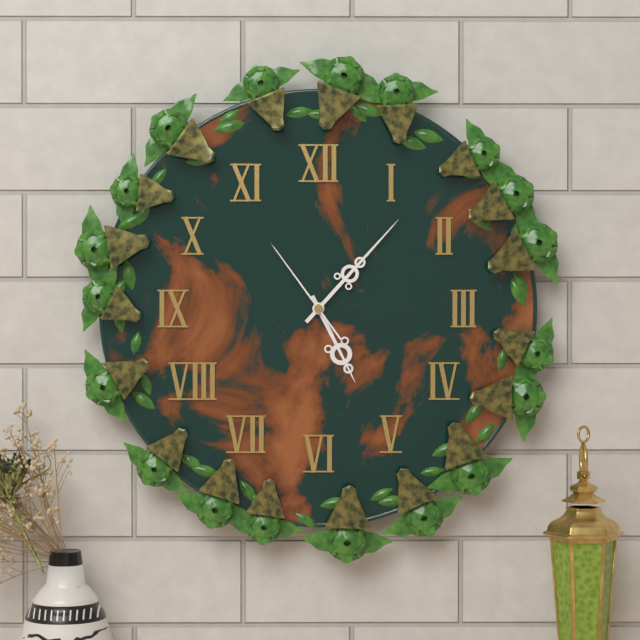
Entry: h=5 m=7 s=54
